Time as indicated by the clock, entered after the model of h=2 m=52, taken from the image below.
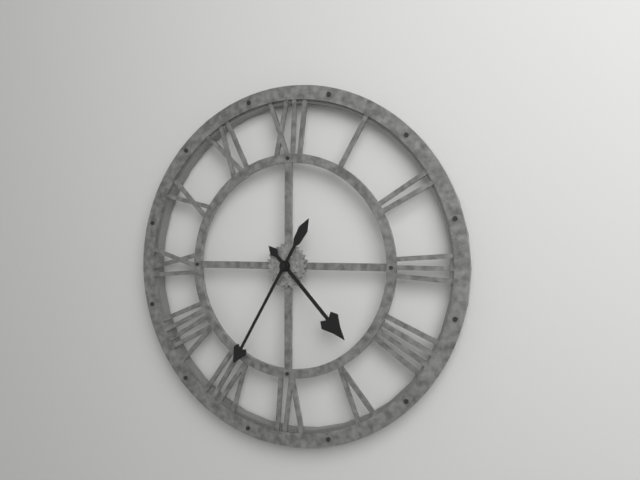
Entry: h=4 m=35
